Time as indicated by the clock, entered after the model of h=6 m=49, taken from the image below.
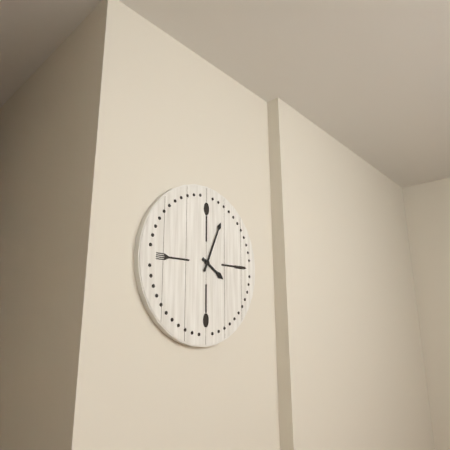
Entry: h=4 m=4
